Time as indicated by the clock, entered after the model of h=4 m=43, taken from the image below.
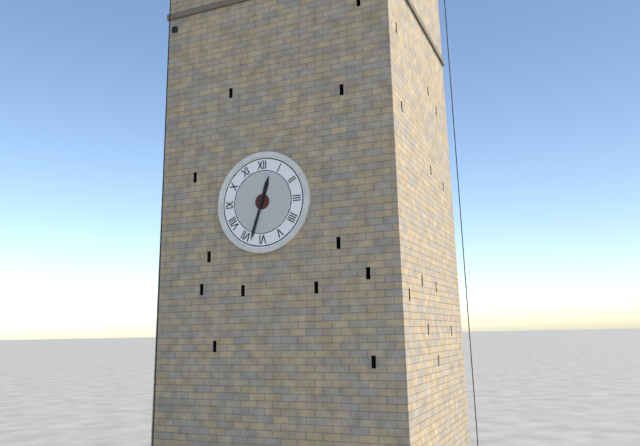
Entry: h=12 m=33
